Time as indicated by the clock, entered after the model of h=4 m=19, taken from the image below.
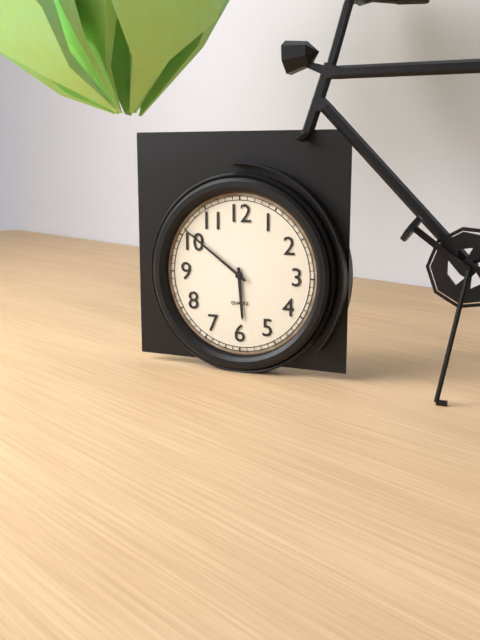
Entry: h=5 m=51
